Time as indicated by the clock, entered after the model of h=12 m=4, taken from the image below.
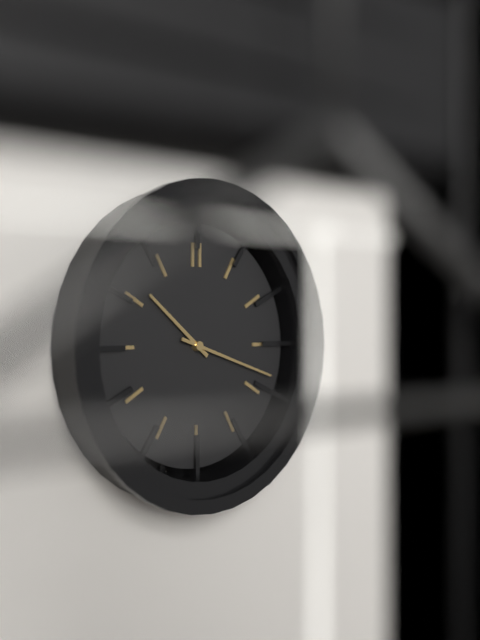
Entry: h=10 m=18
